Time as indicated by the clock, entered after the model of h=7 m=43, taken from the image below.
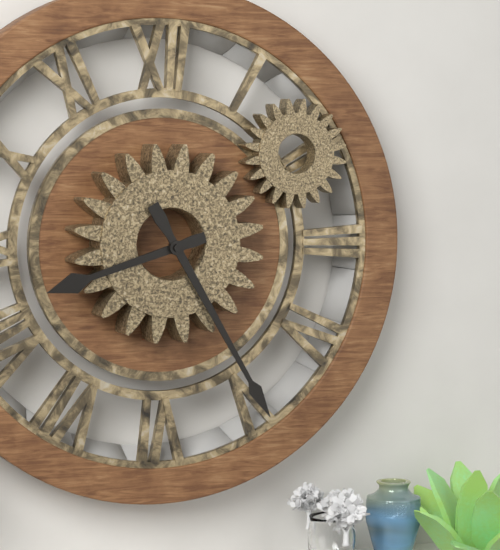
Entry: h=8 m=25
